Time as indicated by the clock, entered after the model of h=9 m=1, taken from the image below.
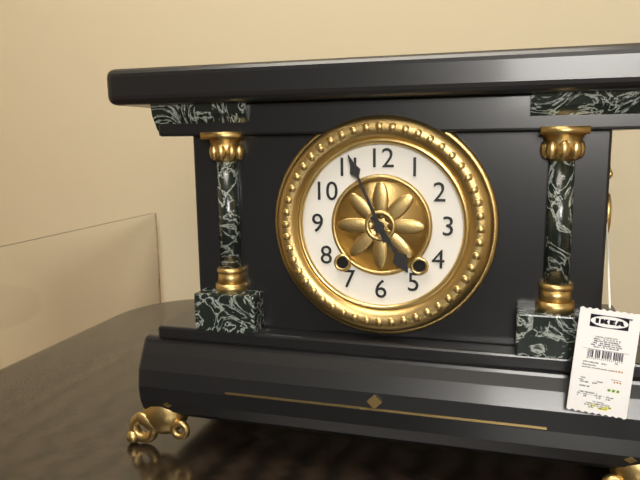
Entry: h=4 m=56
